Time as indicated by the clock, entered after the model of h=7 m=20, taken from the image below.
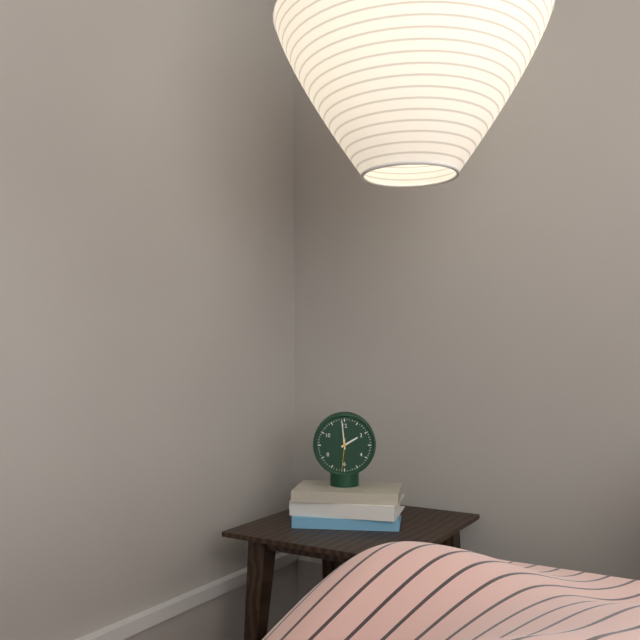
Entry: h=1 m=59
